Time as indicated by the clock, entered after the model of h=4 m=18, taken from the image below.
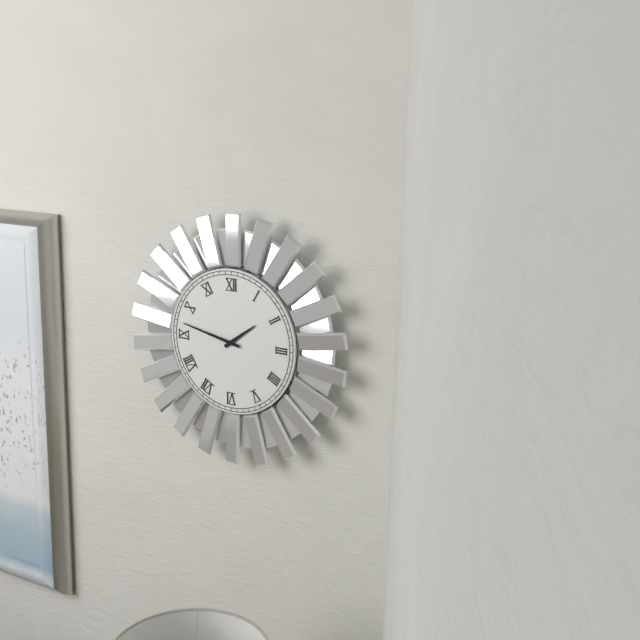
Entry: h=1 m=47
